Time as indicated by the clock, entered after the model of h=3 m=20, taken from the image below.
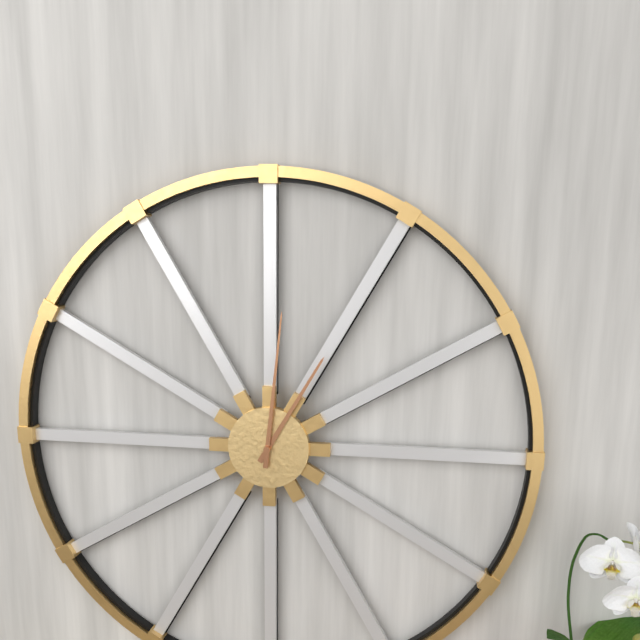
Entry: h=1 m=1
